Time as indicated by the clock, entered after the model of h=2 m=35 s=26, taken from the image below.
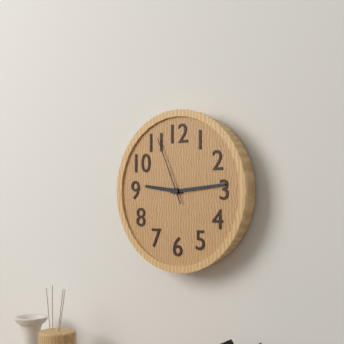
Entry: h=9 m=14 s=56
